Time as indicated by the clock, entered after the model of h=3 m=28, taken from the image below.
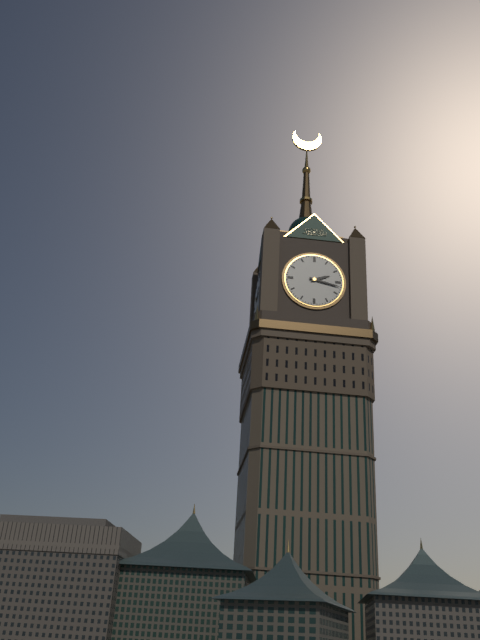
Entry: h=2 m=17
